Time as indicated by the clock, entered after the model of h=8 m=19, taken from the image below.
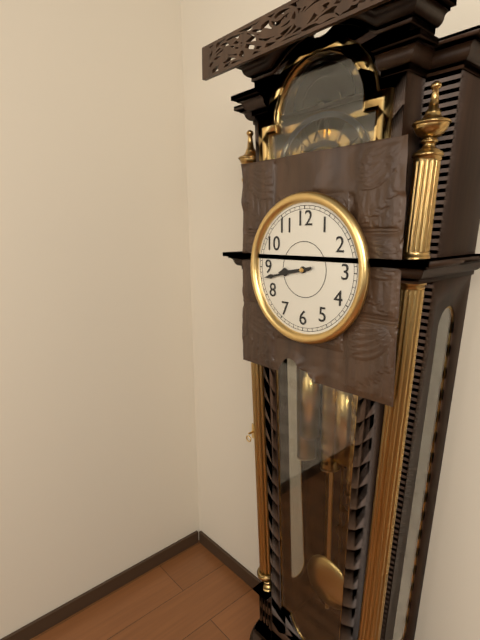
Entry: h=8 m=43
